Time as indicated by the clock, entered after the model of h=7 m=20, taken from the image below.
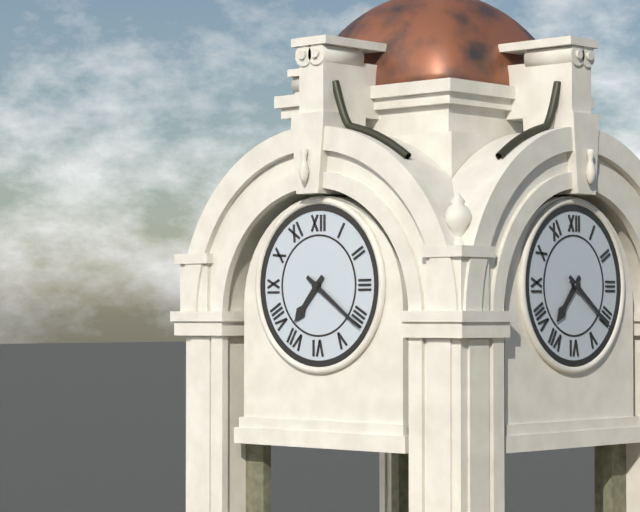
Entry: h=7 m=21
